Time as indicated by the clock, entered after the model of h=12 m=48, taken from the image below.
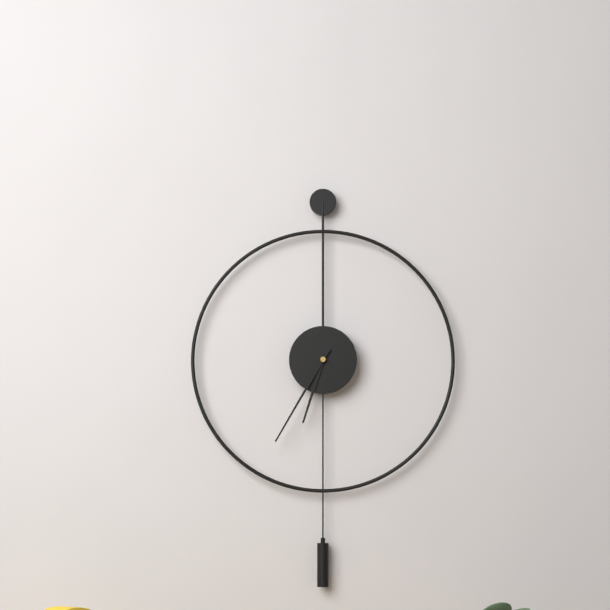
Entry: h=6 m=35
